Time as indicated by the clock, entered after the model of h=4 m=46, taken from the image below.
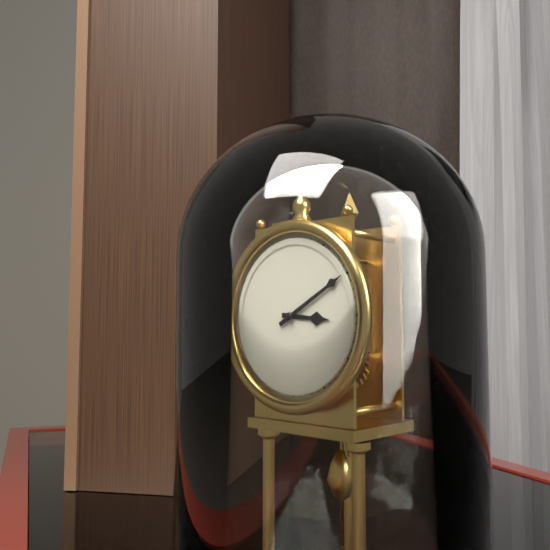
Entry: h=3 m=10
